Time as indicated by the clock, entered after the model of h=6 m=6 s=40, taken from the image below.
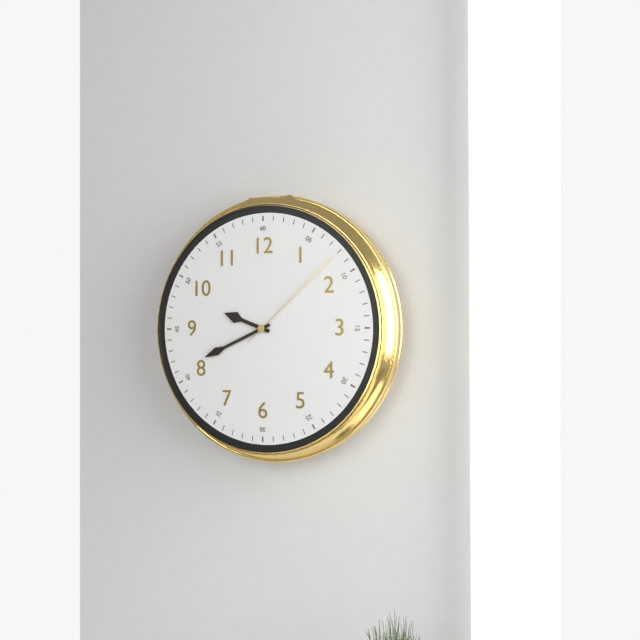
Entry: h=9 m=41 s=8
